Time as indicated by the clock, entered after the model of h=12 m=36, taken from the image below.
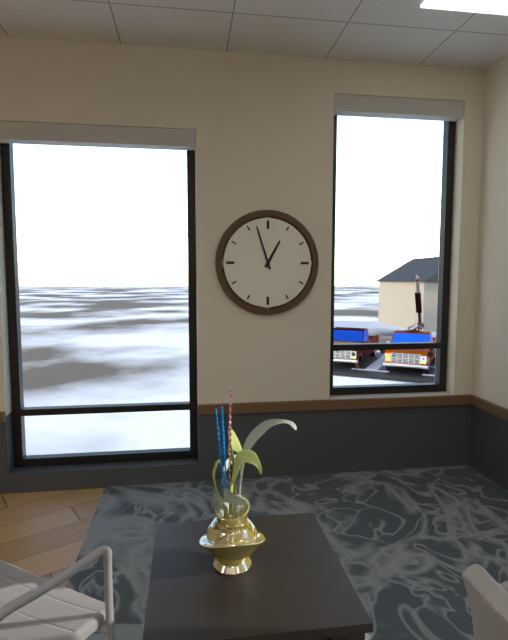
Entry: h=12 m=57
